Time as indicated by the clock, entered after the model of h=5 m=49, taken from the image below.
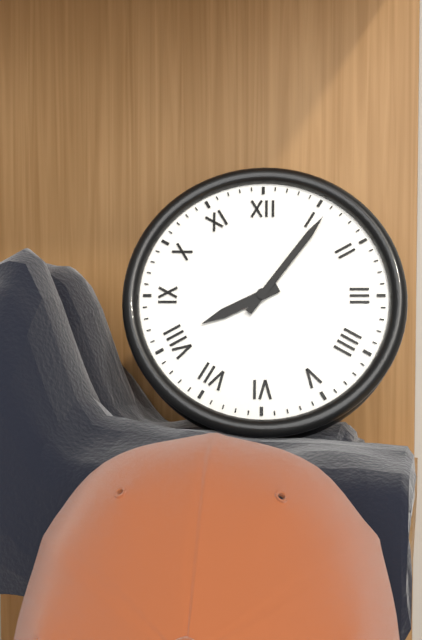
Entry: h=8 m=6
